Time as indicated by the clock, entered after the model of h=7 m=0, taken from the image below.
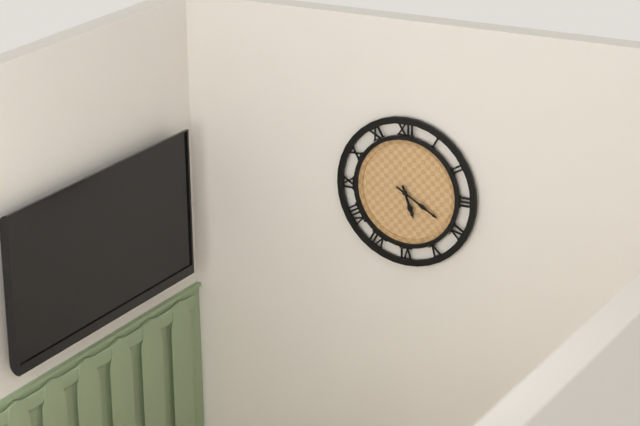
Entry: h=5 m=20
